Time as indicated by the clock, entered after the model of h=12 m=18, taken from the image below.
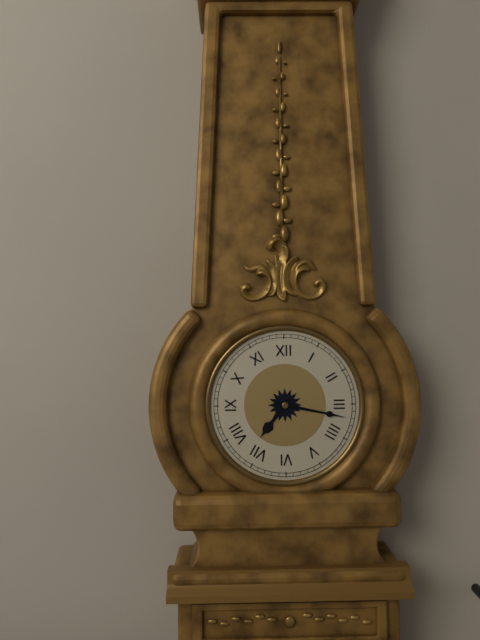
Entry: h=7 m=17
